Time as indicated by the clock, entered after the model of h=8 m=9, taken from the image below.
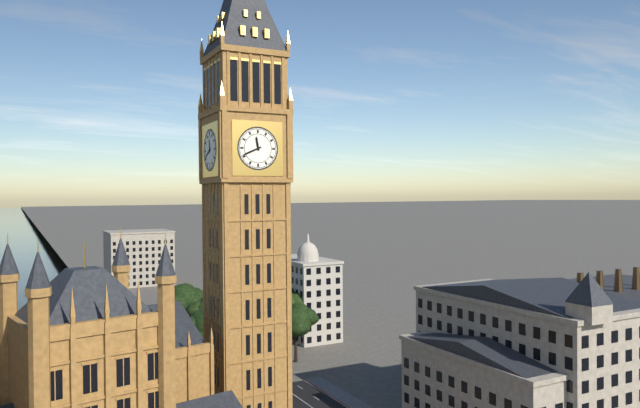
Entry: h=11 m=41
